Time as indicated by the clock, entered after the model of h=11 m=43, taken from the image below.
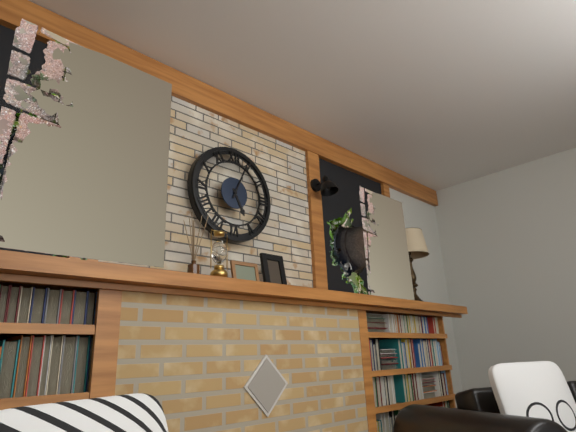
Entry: h=5 m=4
